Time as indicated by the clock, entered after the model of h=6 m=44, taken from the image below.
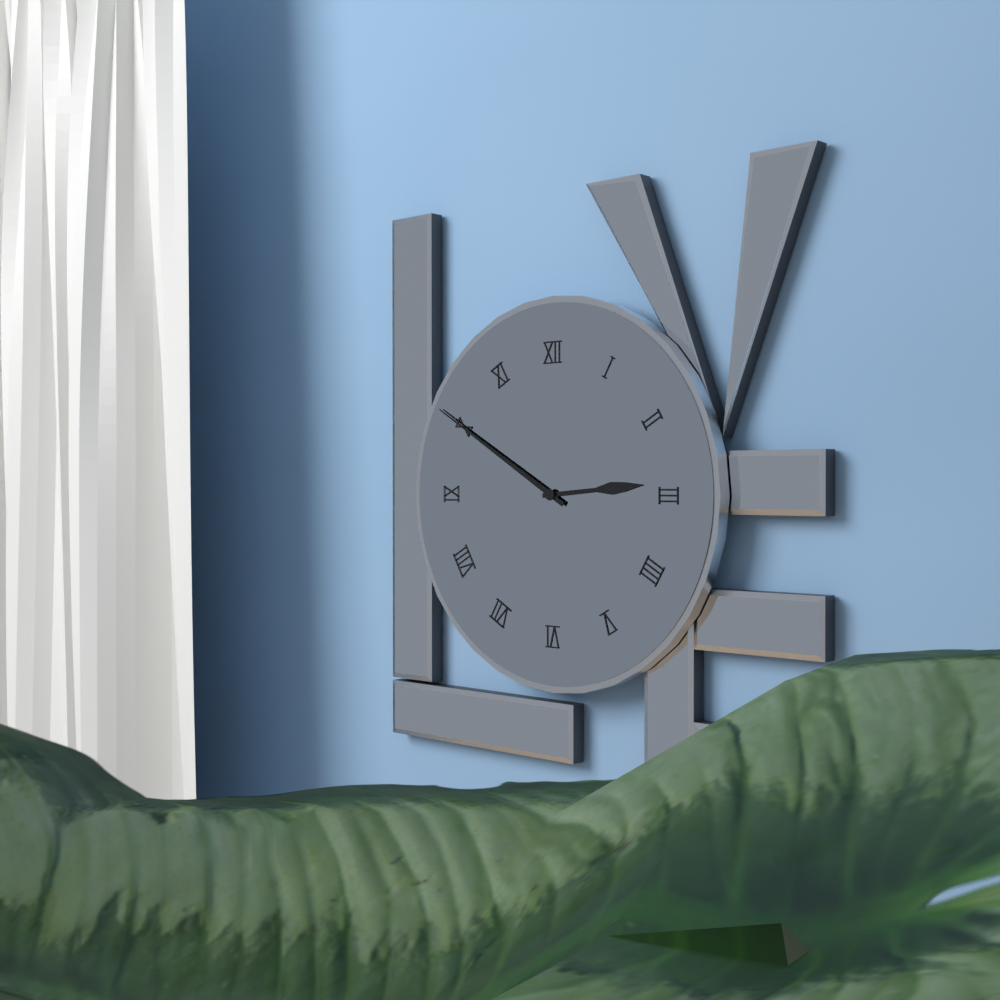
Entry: h=2 m=50
